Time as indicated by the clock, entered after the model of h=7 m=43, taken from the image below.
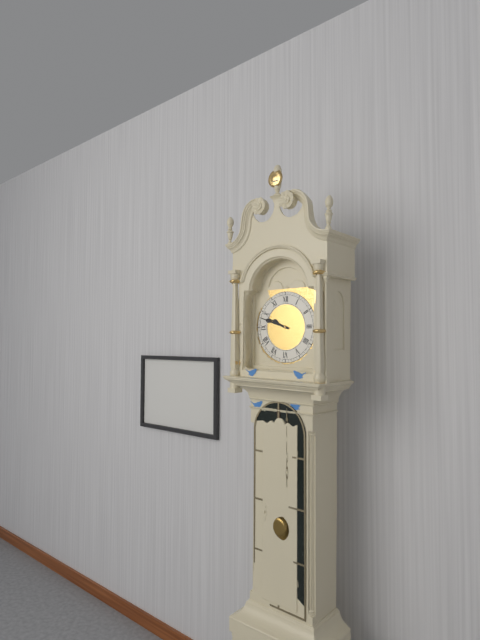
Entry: h=9 m=48
